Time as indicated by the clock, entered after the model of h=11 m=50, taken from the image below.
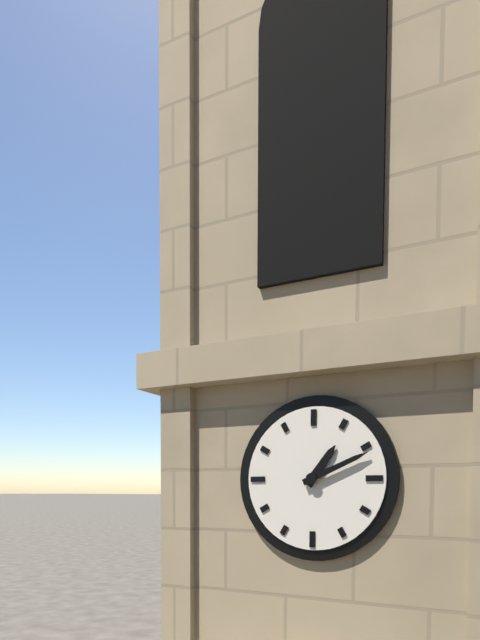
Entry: h=1 m=11
